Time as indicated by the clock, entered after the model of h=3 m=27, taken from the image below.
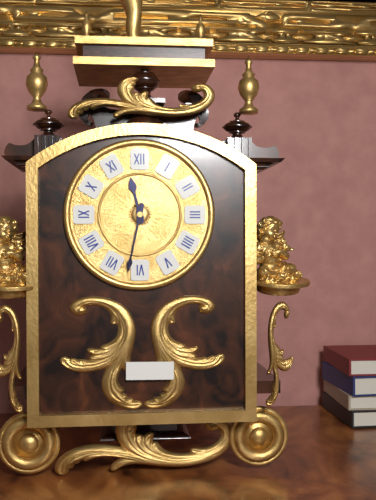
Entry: h=11 m=32
